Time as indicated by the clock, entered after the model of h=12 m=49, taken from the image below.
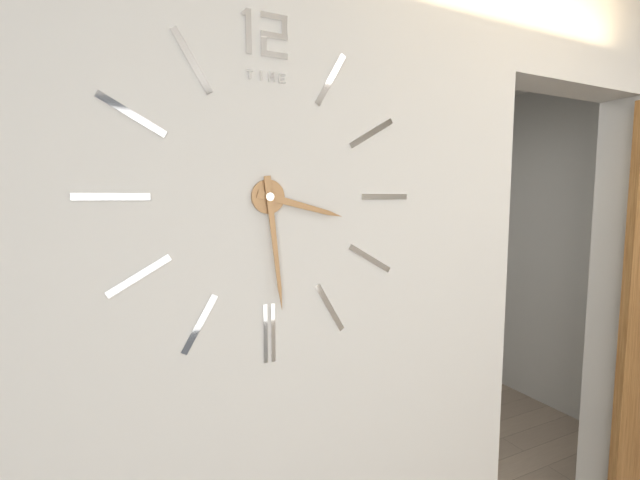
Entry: h=3 m=29
